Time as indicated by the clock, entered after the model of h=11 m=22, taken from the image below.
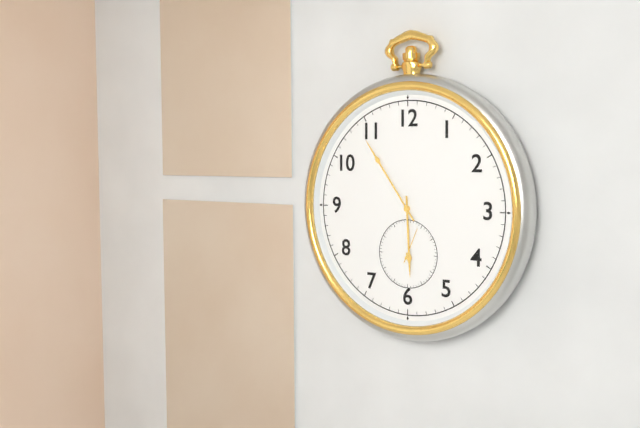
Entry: h=5 m=54
